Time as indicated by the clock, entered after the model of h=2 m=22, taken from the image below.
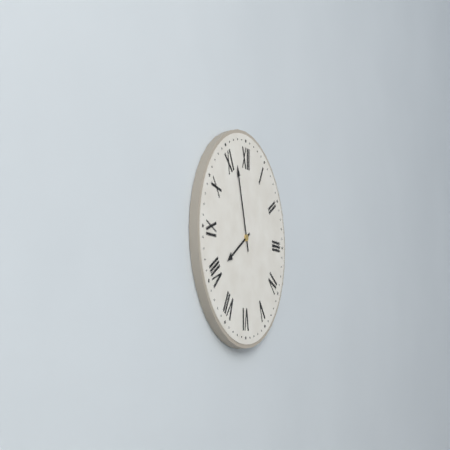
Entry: h=7 m=57
